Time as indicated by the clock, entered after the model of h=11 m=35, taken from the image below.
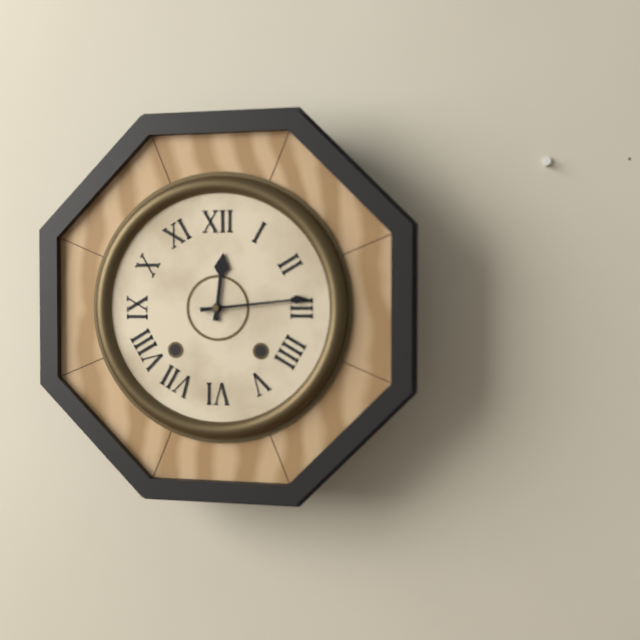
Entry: h=12 m=14
